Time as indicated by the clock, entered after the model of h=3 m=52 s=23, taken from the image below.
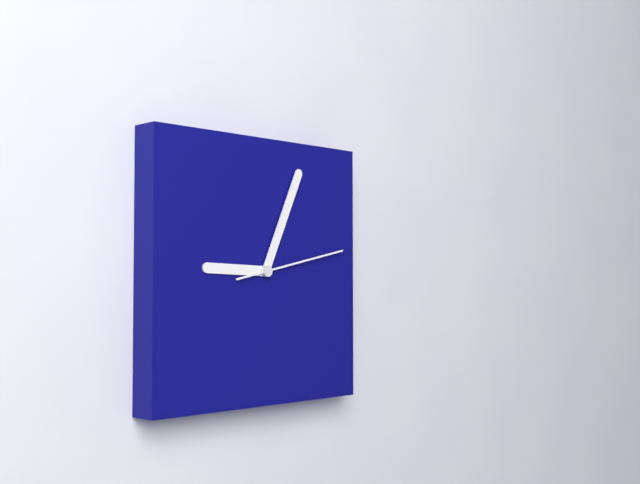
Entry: h=9 m=4 s=13
